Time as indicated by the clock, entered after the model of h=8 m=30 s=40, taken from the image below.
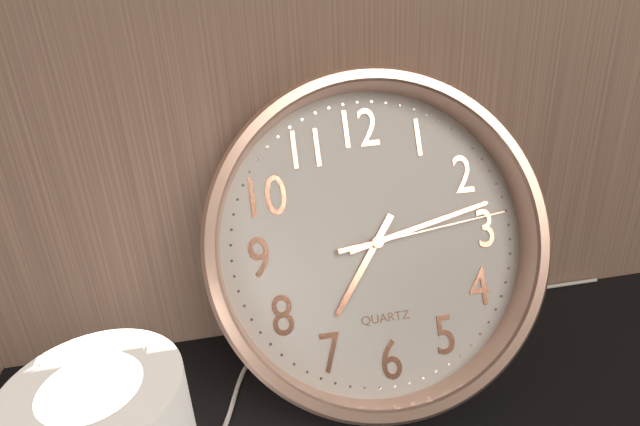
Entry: h=7 m=13 s=14
